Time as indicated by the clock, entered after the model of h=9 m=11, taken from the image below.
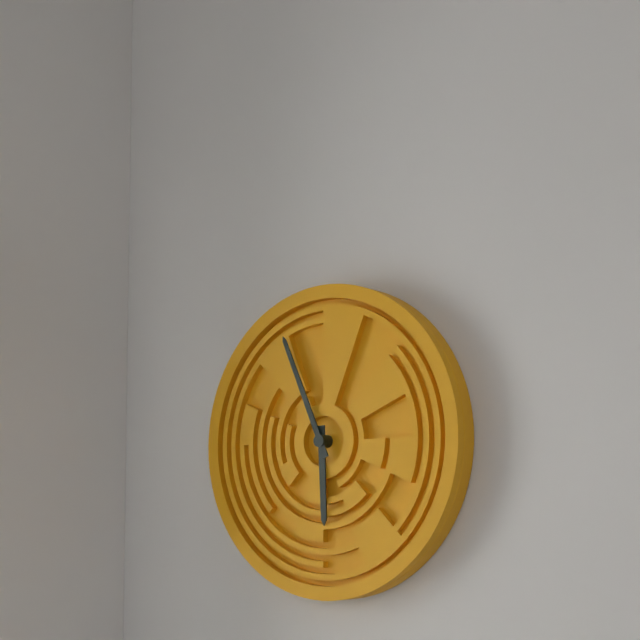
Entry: h=5 m=56
